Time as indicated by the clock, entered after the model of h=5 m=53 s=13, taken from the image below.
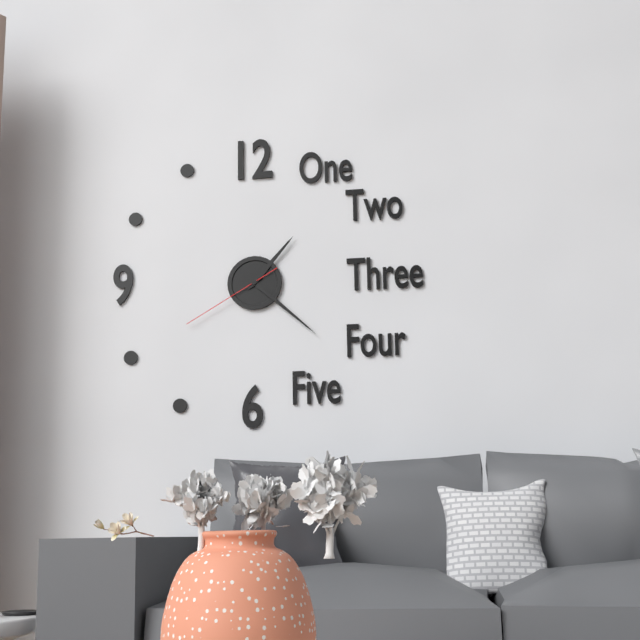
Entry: h=1 m=22 s=40
